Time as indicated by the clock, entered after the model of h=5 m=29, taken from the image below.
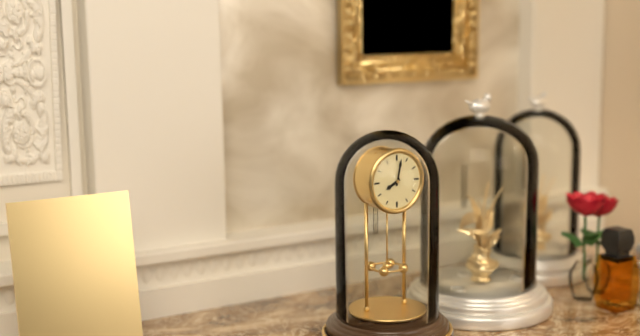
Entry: h=8 m=2
